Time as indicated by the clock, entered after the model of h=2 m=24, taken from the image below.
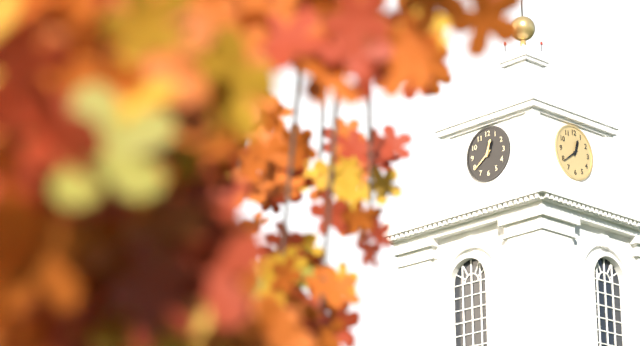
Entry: h=12 m=39
